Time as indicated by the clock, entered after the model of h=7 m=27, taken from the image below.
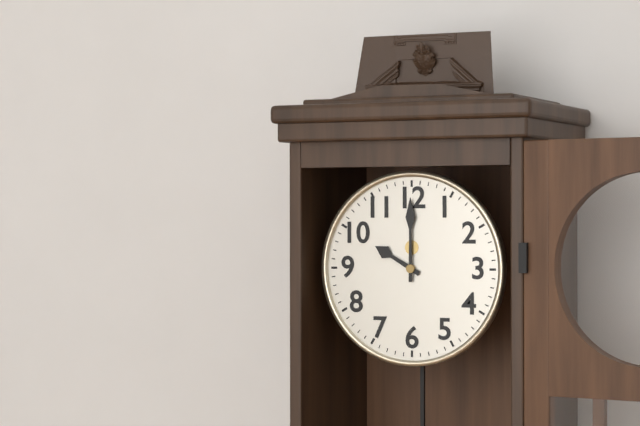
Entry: h=10 m=0
